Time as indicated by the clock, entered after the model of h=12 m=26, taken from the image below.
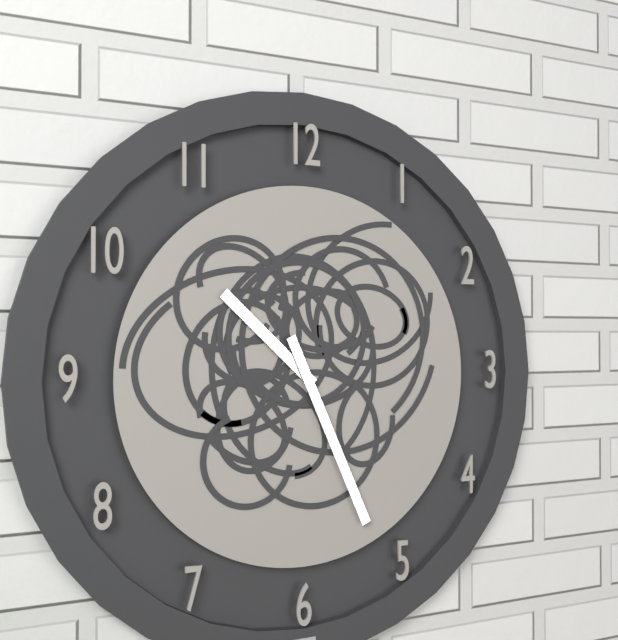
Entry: h=10 m=26
